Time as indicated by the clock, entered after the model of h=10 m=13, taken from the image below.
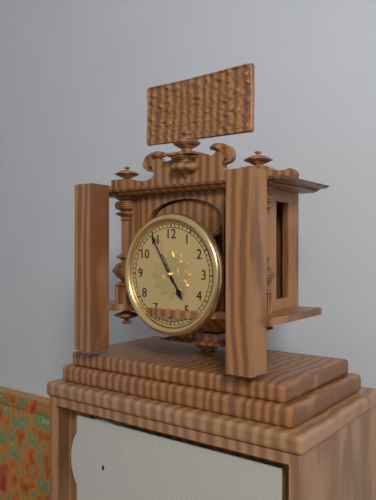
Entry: h=4 m=55
